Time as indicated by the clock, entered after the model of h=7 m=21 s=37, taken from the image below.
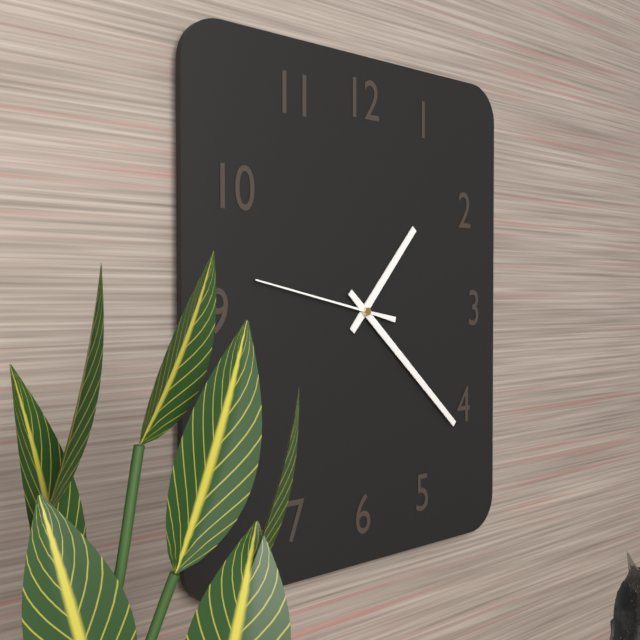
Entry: h=1 m=22 s=47
